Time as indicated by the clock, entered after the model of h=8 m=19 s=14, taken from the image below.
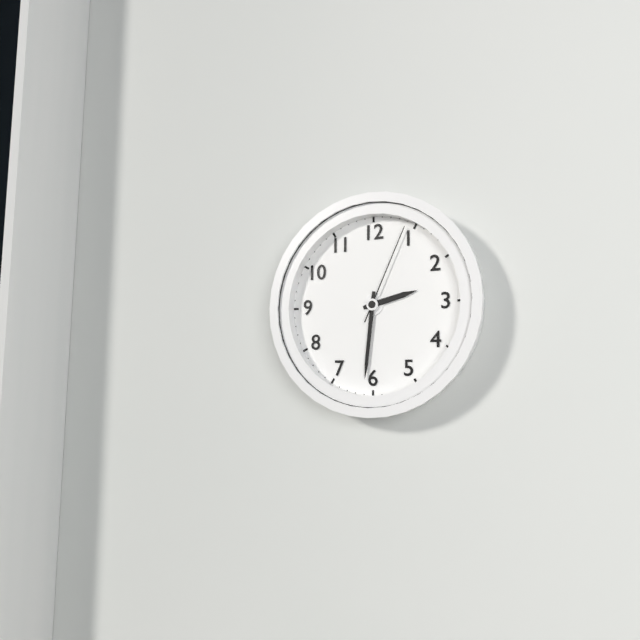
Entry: h=2 m=31 s=4
